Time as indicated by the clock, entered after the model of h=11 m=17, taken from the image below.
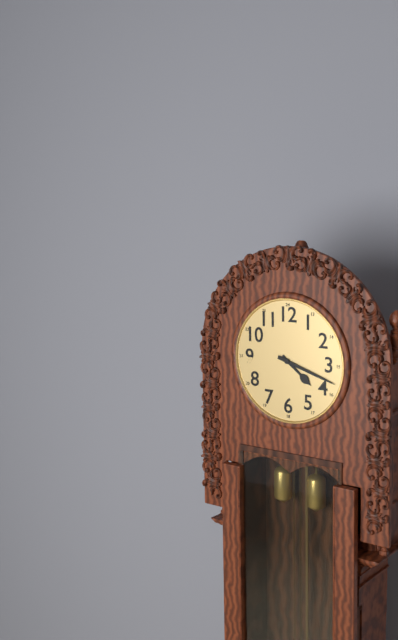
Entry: h=4 m=18
